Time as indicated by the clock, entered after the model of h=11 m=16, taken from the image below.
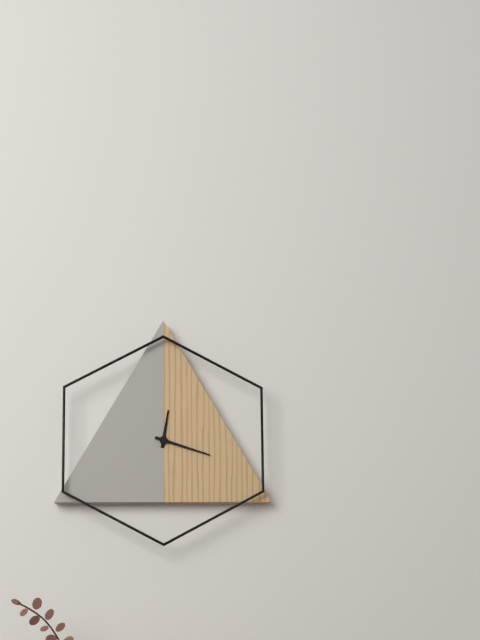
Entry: h=12 m=18
